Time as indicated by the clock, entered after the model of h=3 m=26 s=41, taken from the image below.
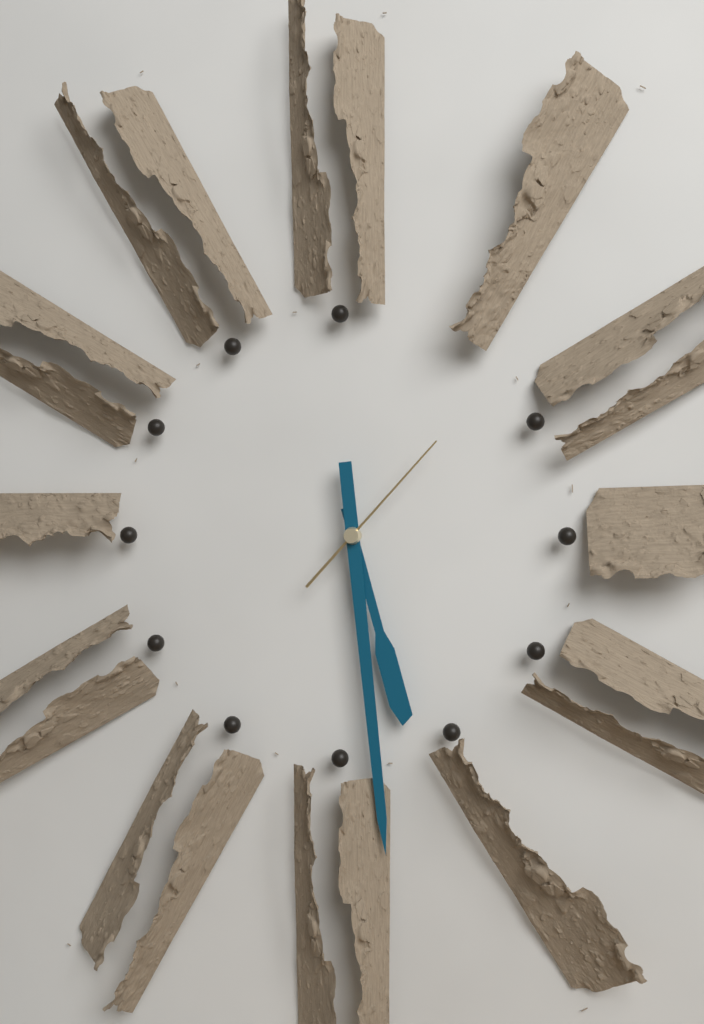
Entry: h=5 m=29 s=7
